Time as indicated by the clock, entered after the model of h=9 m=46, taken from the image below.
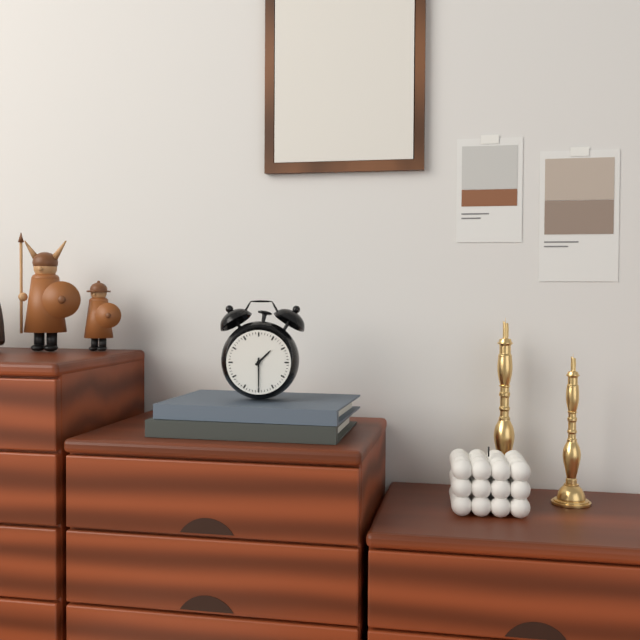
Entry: h=1 m=30
